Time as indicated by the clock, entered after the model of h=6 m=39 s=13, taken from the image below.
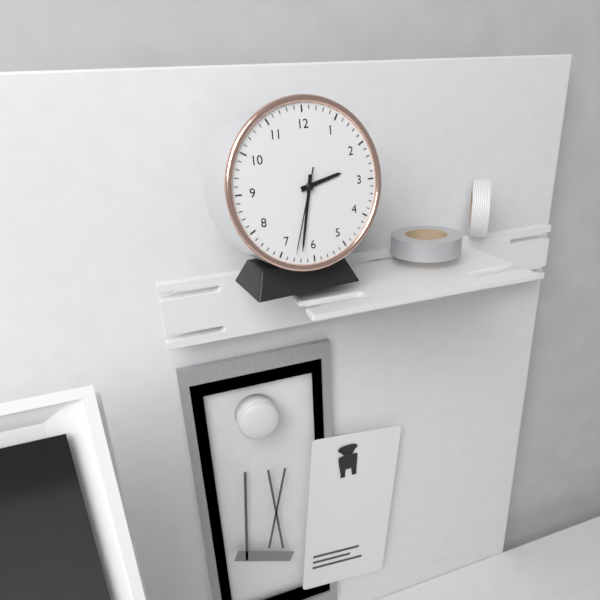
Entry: h=2 m=32 s=33
